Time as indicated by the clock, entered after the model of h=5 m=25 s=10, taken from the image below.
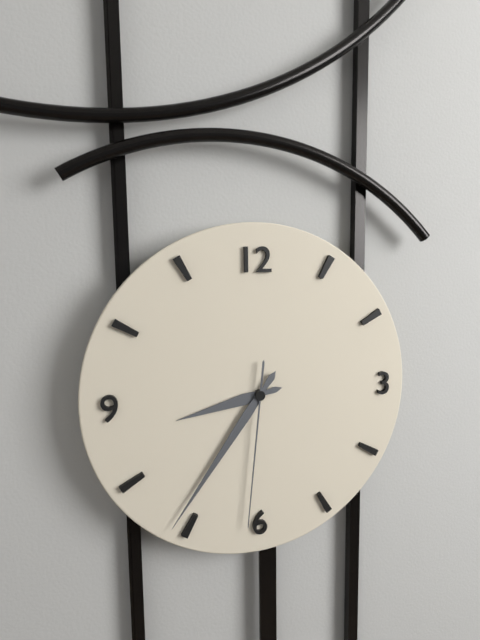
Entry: h=8 m=36 s=31
